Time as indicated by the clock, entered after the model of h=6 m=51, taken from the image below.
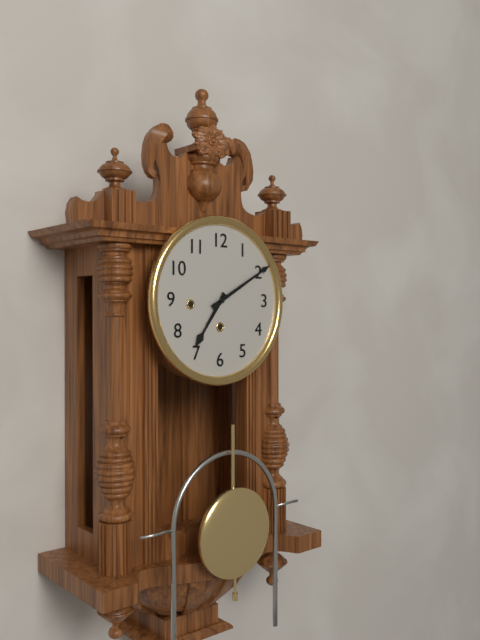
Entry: h=7 m=10
